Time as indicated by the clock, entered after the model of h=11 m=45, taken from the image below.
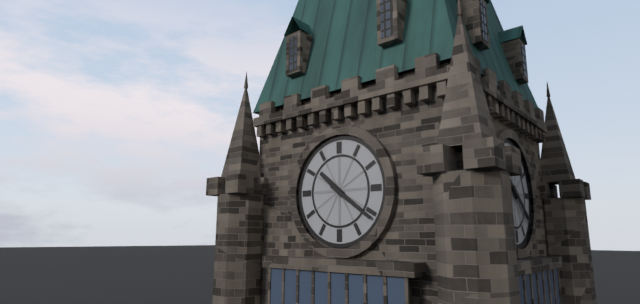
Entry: h=10 m=21
